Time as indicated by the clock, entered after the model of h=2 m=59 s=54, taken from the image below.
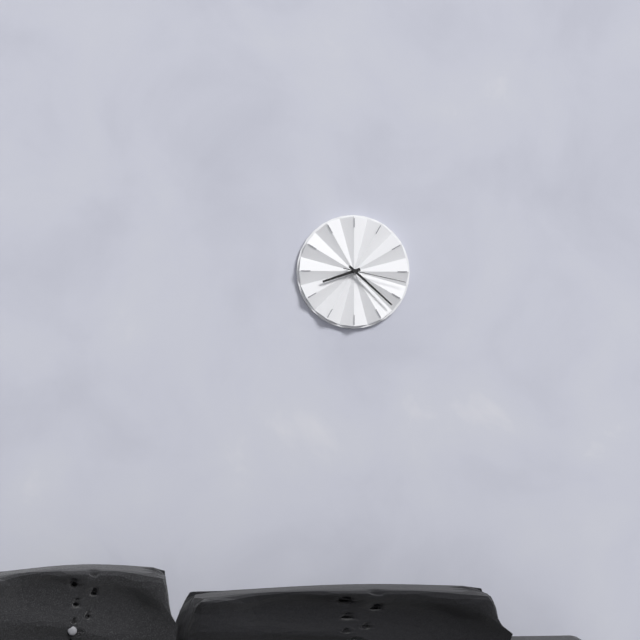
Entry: h=8 m=22 s=17
